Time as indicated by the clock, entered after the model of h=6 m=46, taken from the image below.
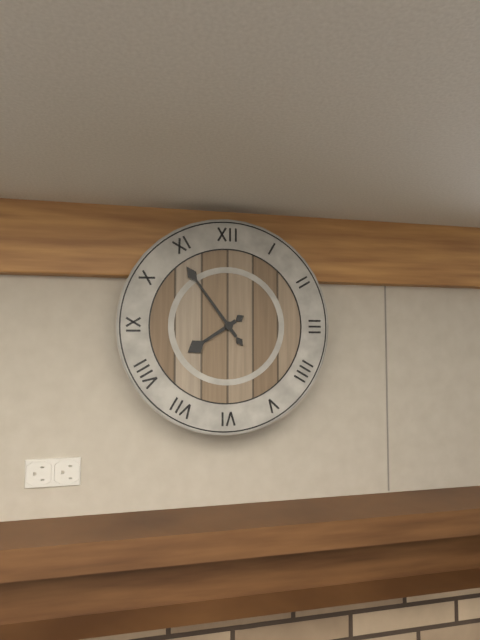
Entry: h=7 m=54
